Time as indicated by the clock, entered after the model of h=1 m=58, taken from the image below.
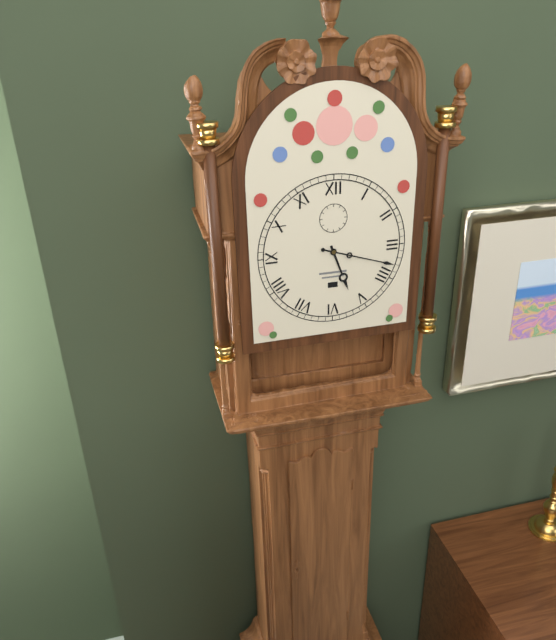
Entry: h=5 m=18
